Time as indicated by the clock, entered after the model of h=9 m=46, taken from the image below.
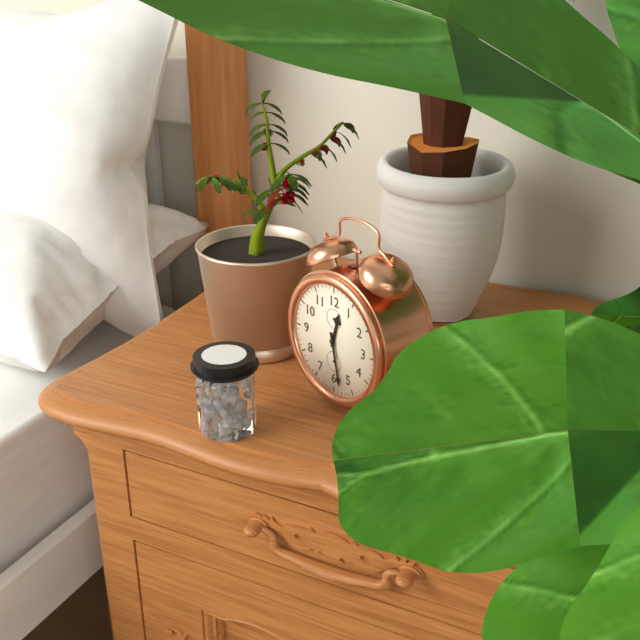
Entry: h=12 m=28
